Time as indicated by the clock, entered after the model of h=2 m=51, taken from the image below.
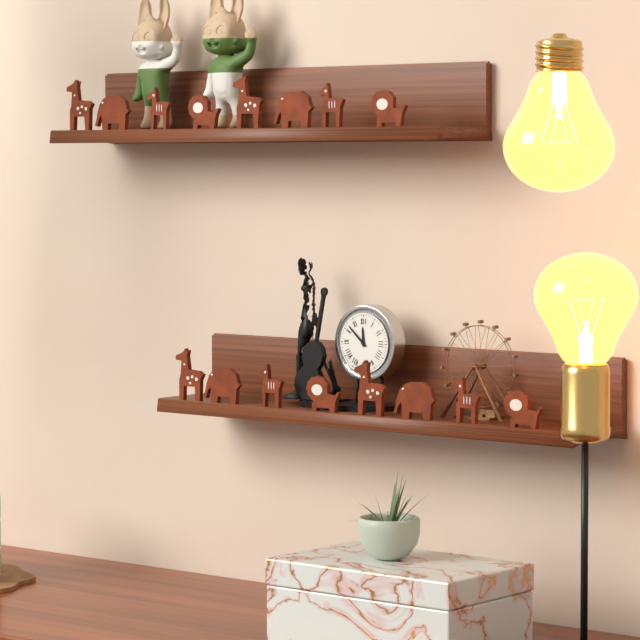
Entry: h=11 m=52
